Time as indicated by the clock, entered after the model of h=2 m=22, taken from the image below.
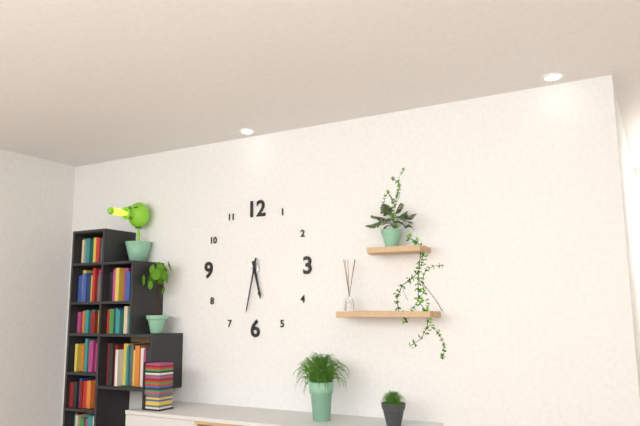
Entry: h=5 m=32
